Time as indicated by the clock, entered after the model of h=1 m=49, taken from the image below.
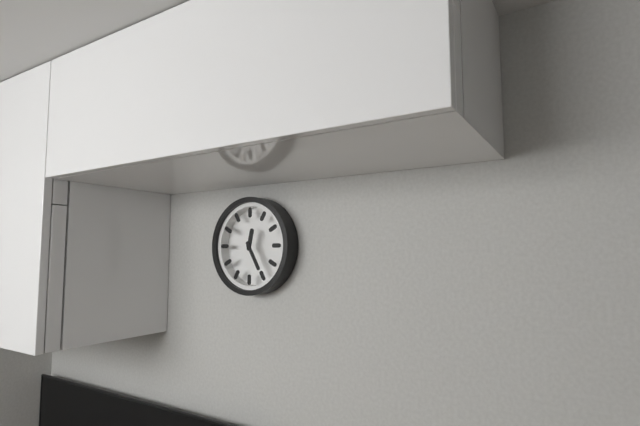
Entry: h=12 m=25
